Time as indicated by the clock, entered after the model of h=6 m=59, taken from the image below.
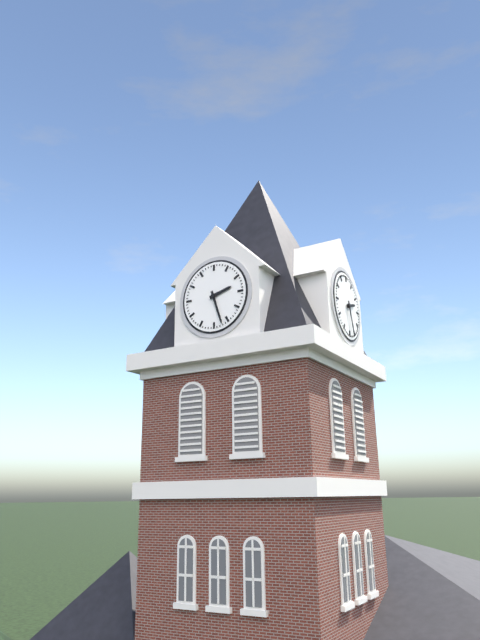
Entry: h=2 m=27
